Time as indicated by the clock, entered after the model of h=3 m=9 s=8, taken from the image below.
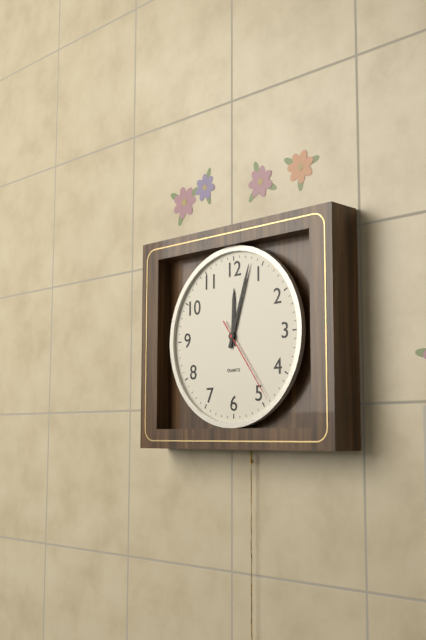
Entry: h=12 m=3 s=24
